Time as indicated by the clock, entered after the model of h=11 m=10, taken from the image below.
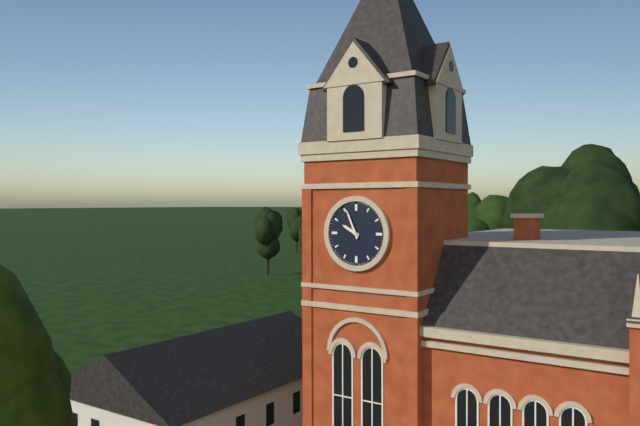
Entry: h=9 m=56
